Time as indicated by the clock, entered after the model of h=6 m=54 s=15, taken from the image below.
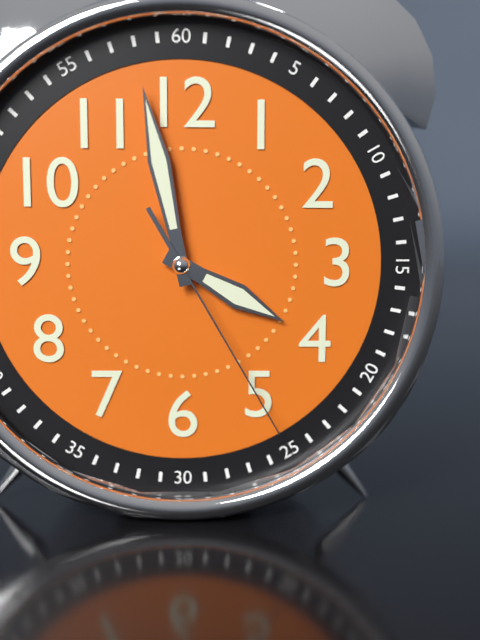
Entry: h=3 m=58 s=25
